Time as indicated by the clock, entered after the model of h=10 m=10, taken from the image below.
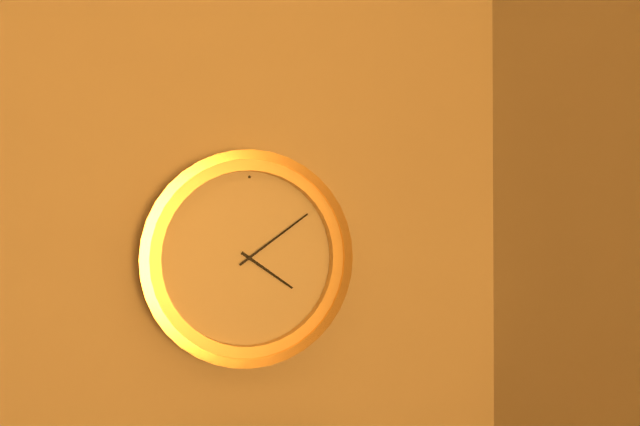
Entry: h=4 m=9
